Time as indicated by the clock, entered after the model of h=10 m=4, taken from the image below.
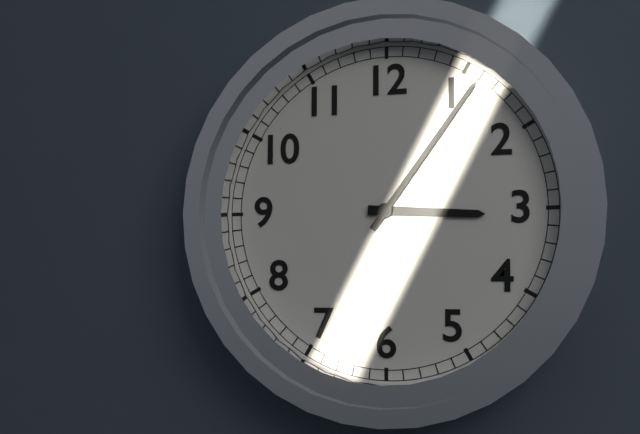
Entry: h=3 m=6
